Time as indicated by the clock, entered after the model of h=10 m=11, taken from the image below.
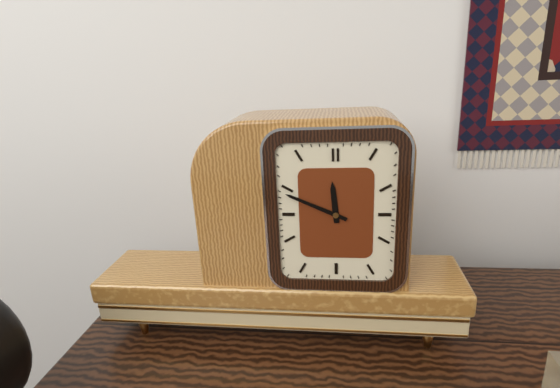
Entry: h=11 m=49
